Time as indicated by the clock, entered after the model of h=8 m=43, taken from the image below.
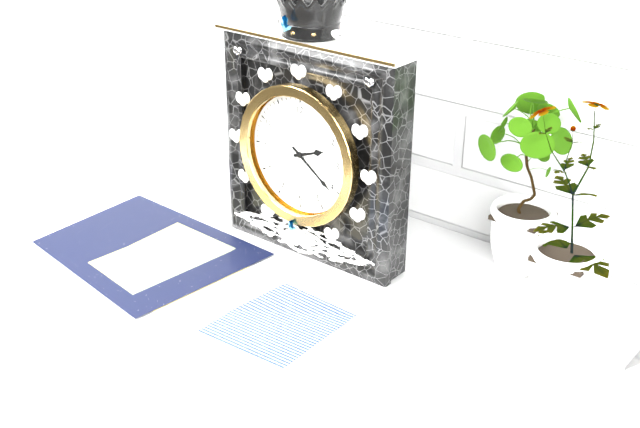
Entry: h=2 m=21
